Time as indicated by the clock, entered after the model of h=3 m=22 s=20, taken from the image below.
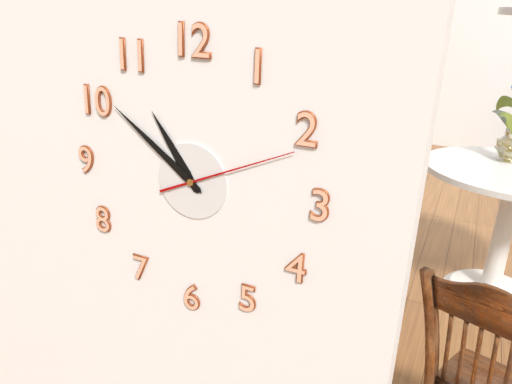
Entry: h=10 m=51 s=11
